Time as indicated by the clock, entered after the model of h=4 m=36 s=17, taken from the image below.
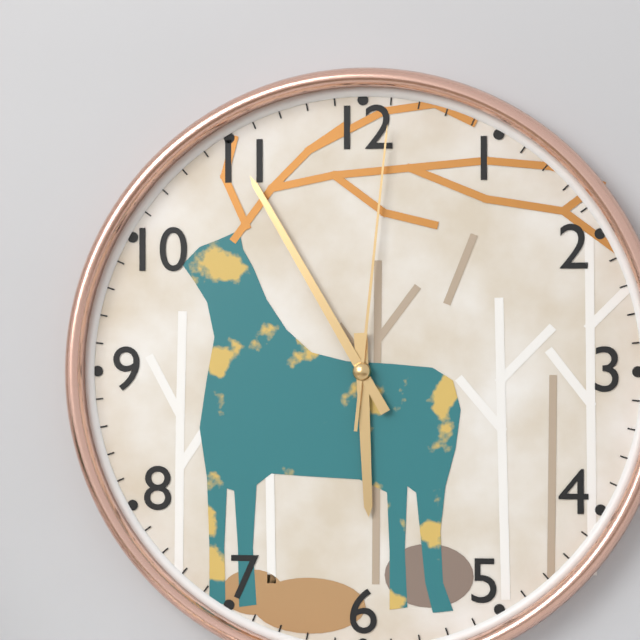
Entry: h=5 m=55 s=1
